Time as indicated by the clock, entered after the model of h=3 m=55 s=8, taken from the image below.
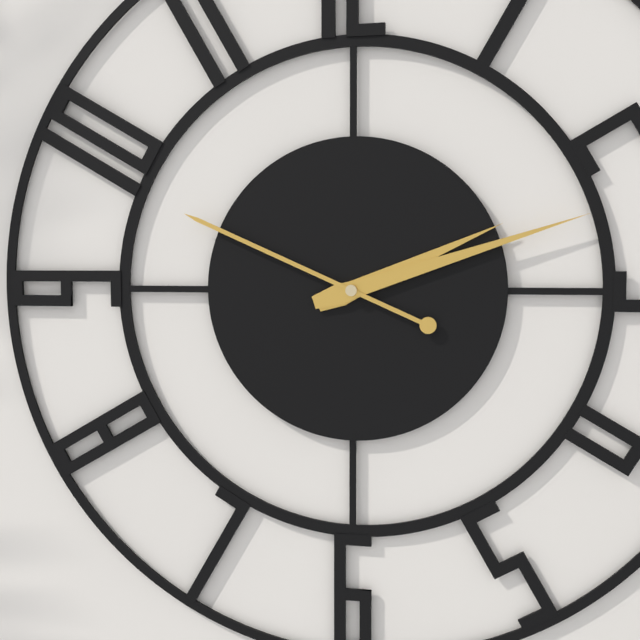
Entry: h=2 m=12 s=49
